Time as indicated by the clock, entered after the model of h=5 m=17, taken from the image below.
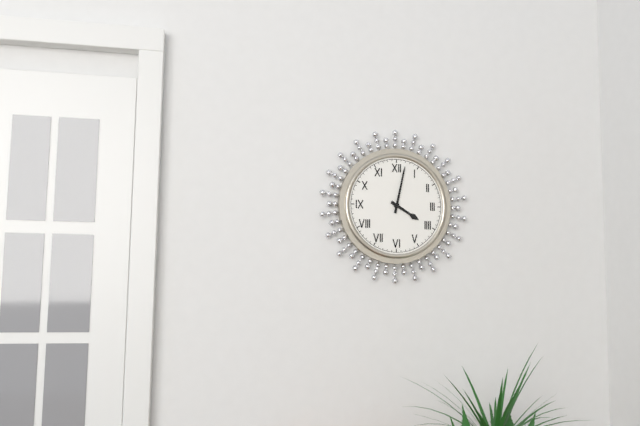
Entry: h=4 m=2
